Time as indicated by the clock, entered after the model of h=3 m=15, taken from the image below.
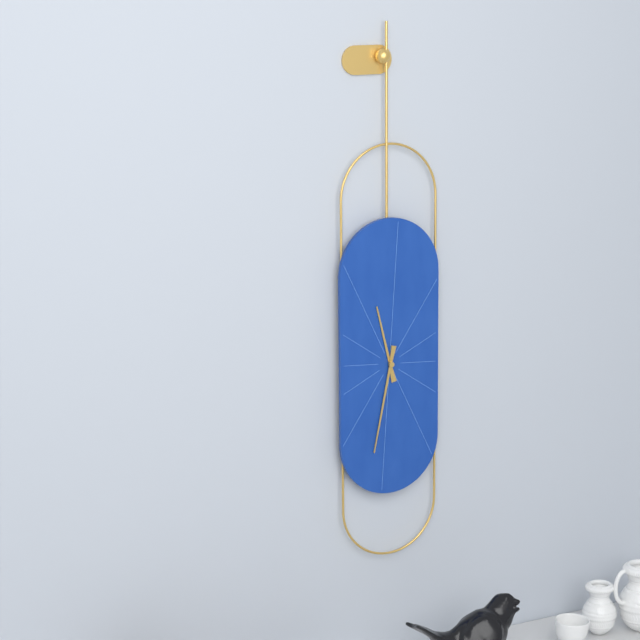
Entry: h=11 m=32
